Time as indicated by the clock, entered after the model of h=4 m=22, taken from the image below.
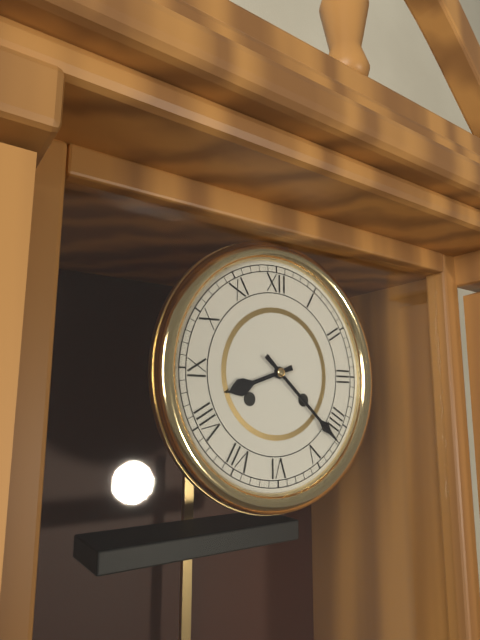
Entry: h=8 m=22
